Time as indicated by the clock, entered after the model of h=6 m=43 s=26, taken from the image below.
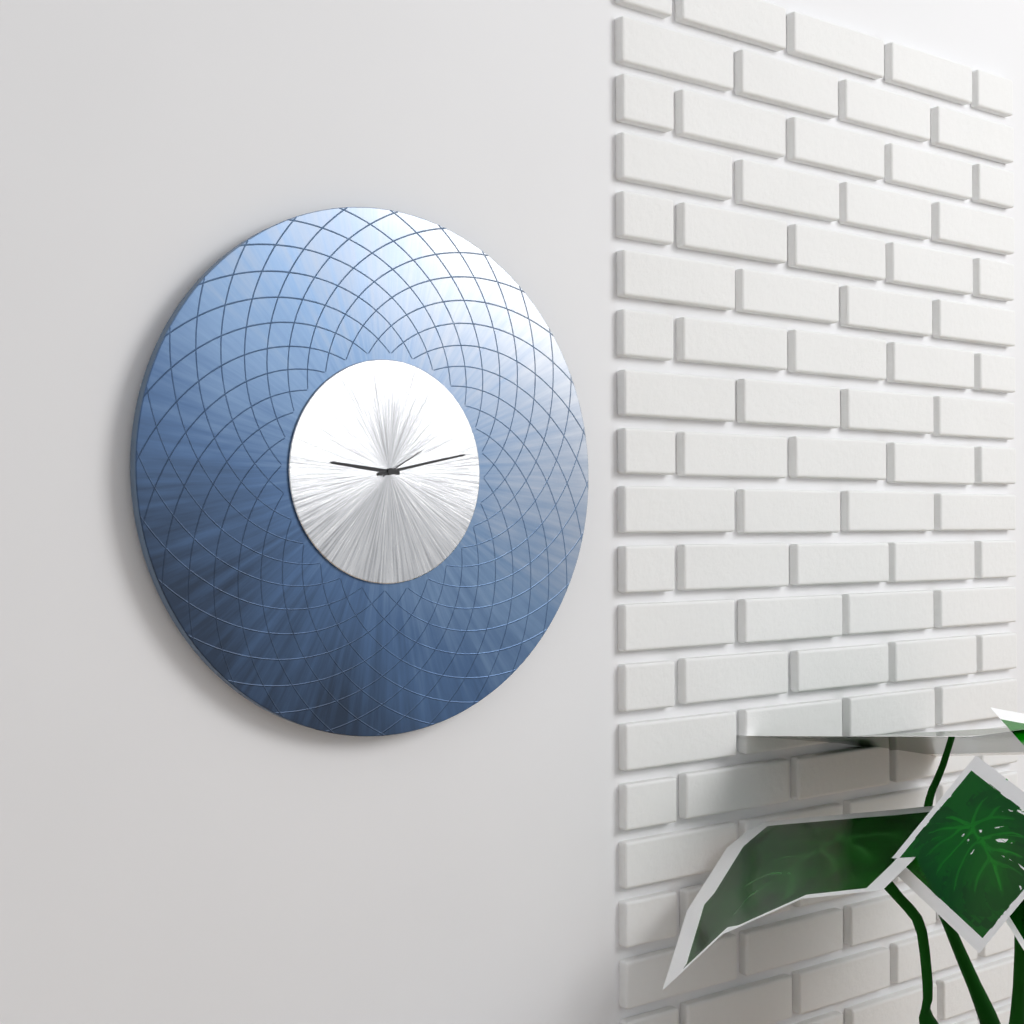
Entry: h=9 m=13 s=10
